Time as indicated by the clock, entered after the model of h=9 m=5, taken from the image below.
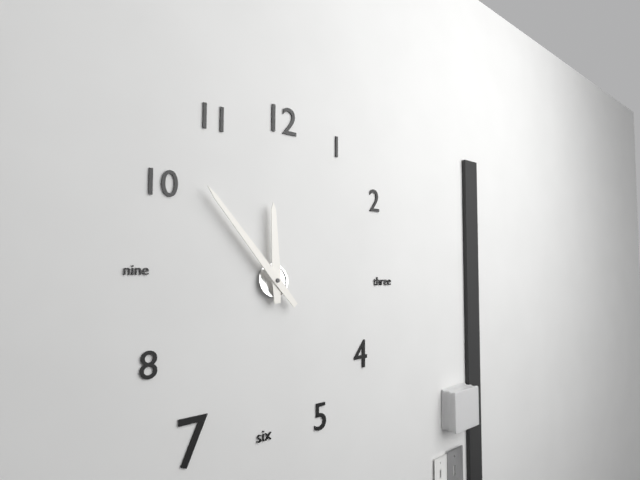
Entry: h=11 m=53
